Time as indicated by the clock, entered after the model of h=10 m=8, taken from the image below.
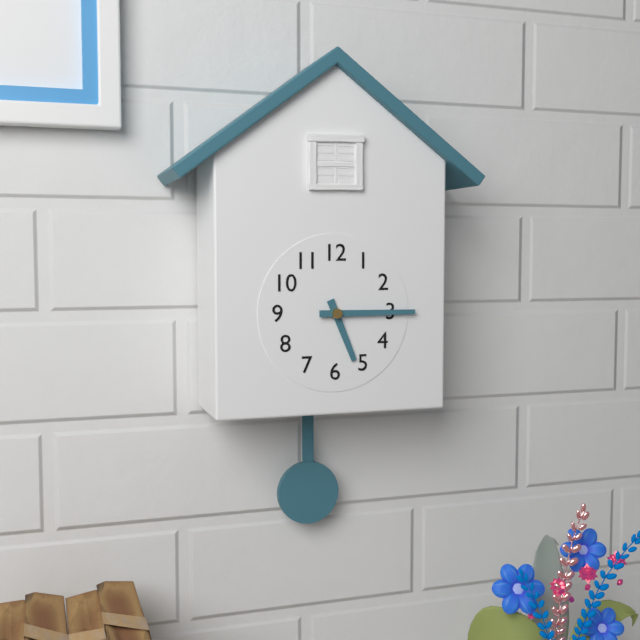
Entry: h=5 m=15
